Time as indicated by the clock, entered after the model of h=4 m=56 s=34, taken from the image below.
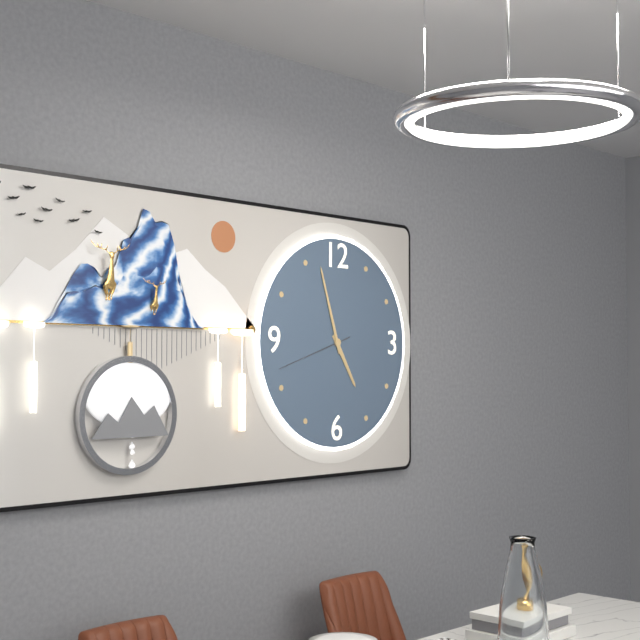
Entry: h=4 m=57 s=42
